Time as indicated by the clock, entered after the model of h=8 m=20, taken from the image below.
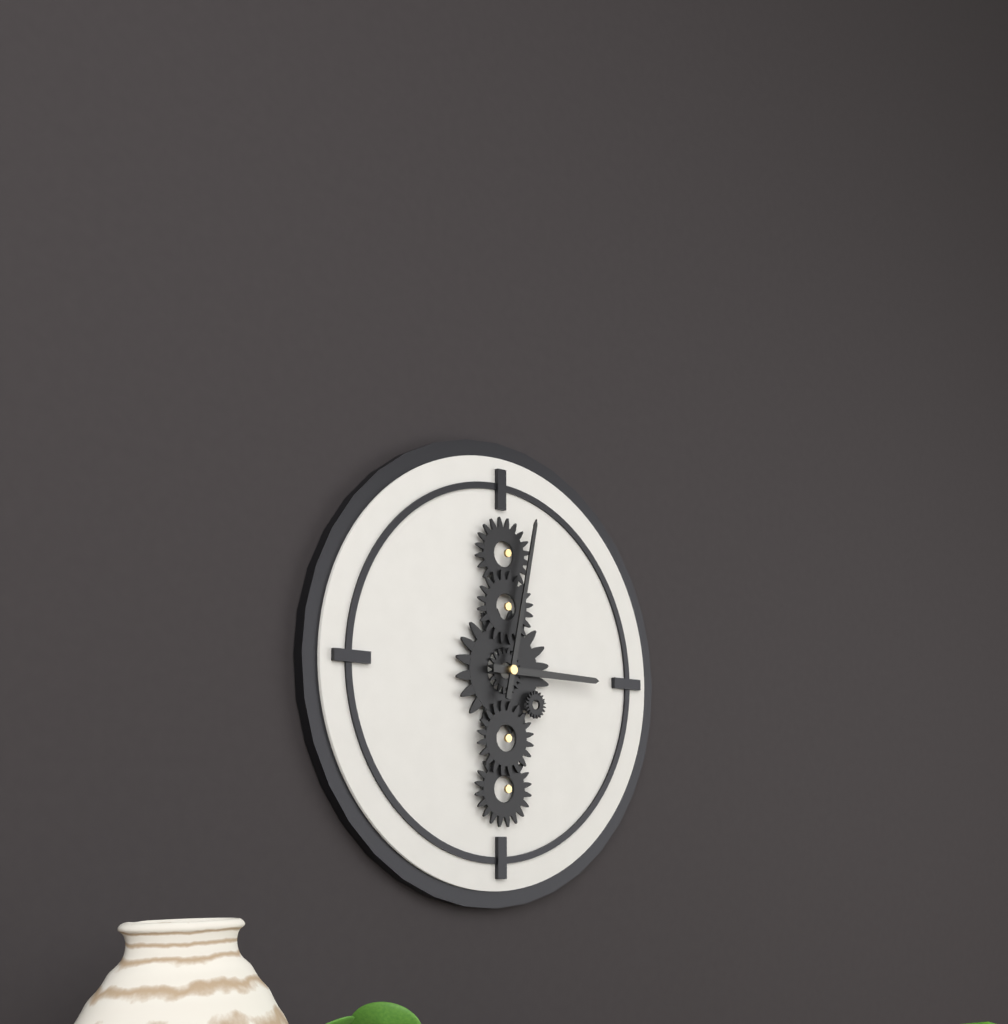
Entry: h=3 m=2
